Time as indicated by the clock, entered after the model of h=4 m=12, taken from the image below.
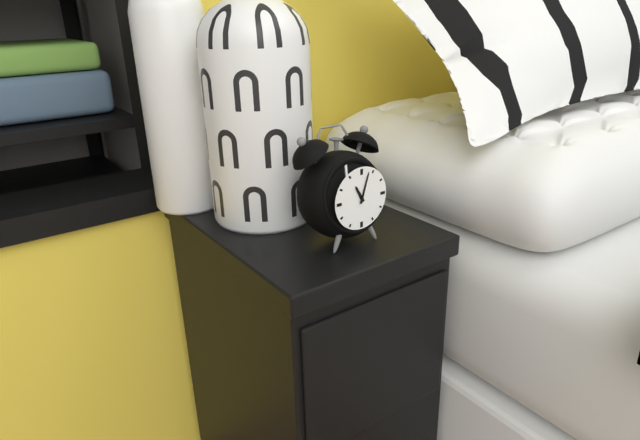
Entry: h=11 m=3
